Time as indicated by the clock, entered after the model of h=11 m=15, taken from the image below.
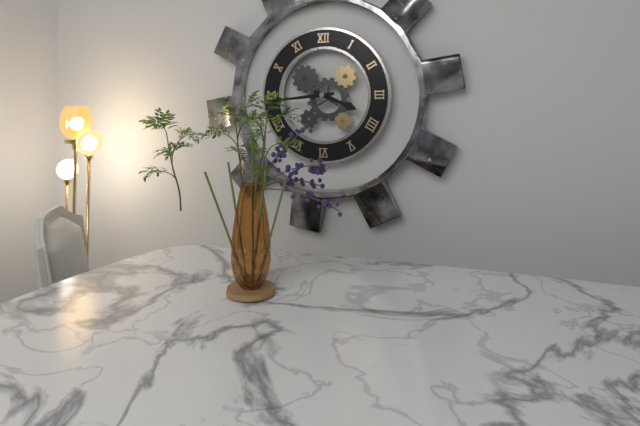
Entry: h=3 m=44
